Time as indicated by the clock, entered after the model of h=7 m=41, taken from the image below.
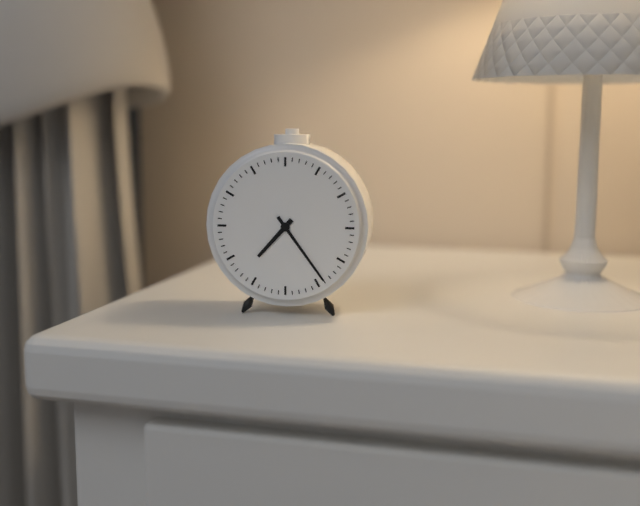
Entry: h=7 m=24
